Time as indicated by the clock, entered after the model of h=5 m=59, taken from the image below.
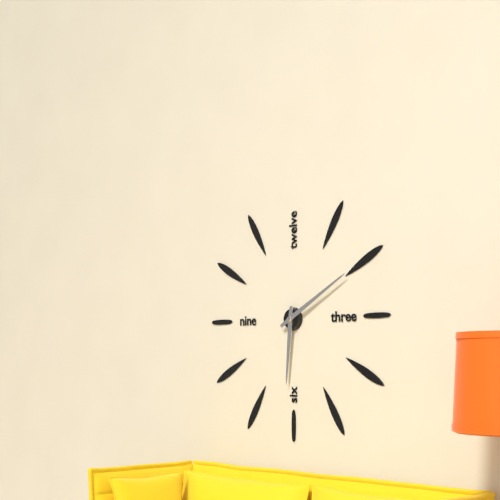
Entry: h=6 m=10
